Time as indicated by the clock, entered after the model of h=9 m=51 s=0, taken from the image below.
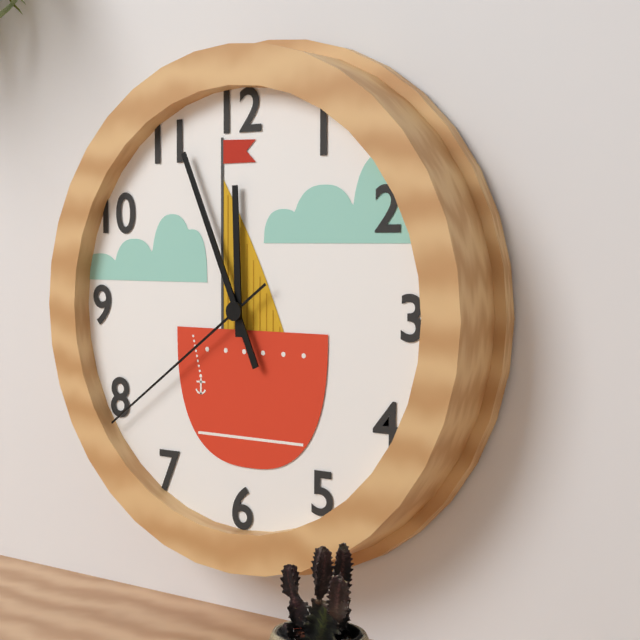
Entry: h=11 m=56 s=39
